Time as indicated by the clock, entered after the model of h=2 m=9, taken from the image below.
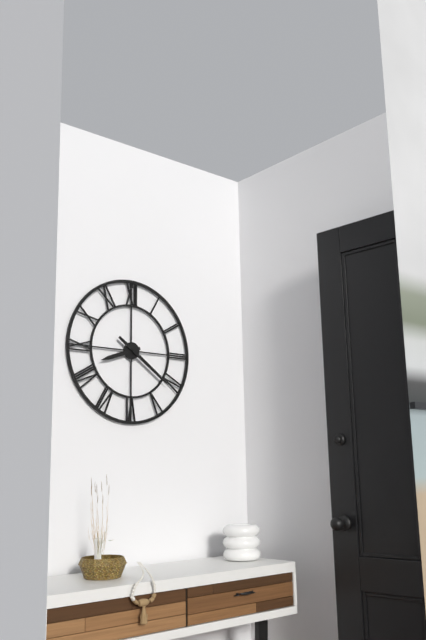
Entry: h=8 m=21
